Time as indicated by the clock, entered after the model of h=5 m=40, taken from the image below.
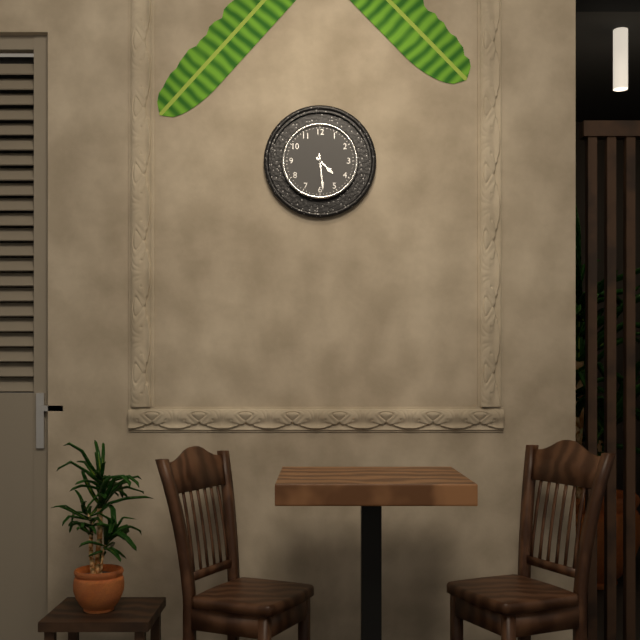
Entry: h=4 m=29
